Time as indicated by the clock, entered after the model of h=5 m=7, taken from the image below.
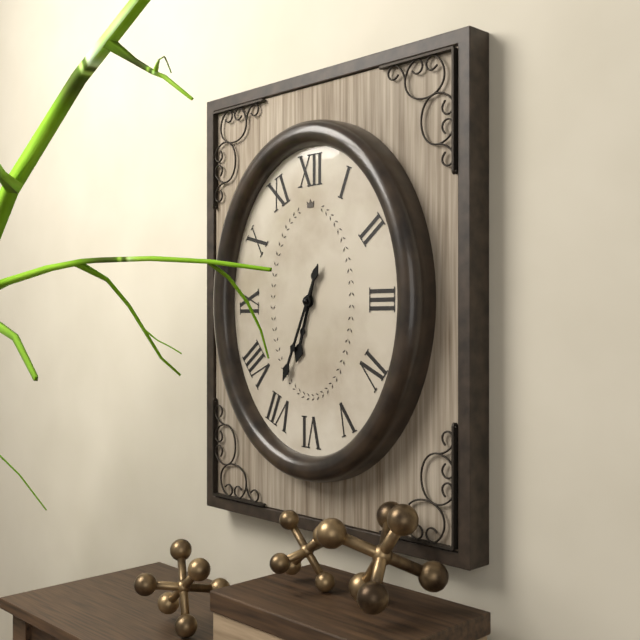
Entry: h=6 m=34
